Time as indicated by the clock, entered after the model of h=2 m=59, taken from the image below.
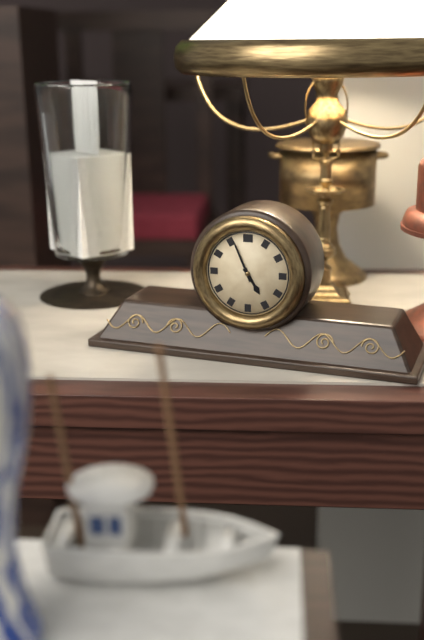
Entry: h=4 m=56
